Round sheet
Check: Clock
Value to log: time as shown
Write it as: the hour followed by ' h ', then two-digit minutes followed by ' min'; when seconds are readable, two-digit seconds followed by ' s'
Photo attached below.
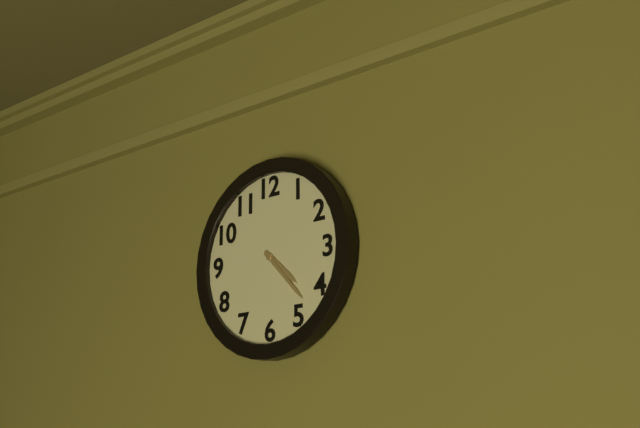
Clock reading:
4 h 23 min
